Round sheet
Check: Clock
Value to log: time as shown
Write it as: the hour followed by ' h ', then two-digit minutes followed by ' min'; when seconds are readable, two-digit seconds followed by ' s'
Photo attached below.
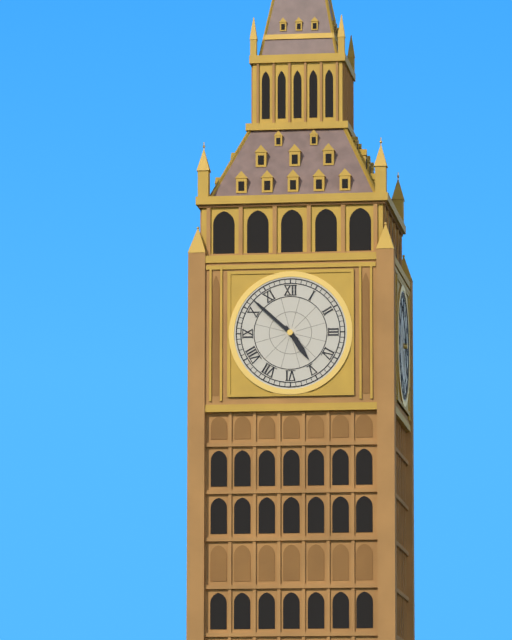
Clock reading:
4 h 52 min
